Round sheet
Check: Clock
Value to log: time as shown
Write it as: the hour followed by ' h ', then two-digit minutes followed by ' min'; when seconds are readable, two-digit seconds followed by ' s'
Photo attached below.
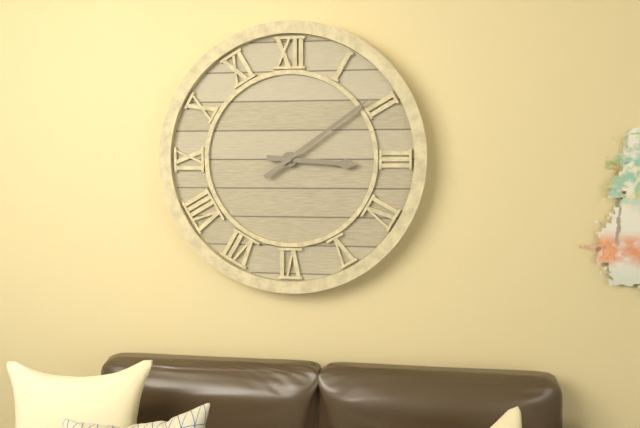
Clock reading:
3 h 09 min
